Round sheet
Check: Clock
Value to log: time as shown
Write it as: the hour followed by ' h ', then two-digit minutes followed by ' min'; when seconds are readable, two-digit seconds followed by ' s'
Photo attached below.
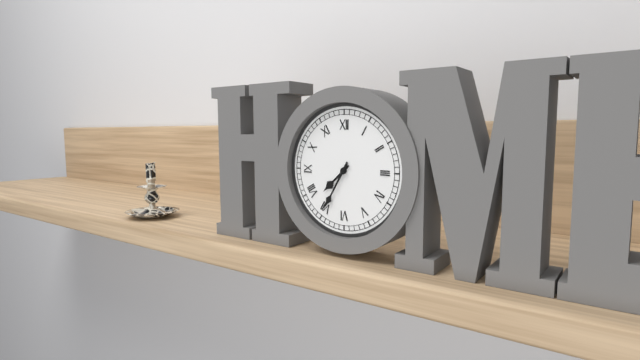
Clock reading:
7 h 35 min
